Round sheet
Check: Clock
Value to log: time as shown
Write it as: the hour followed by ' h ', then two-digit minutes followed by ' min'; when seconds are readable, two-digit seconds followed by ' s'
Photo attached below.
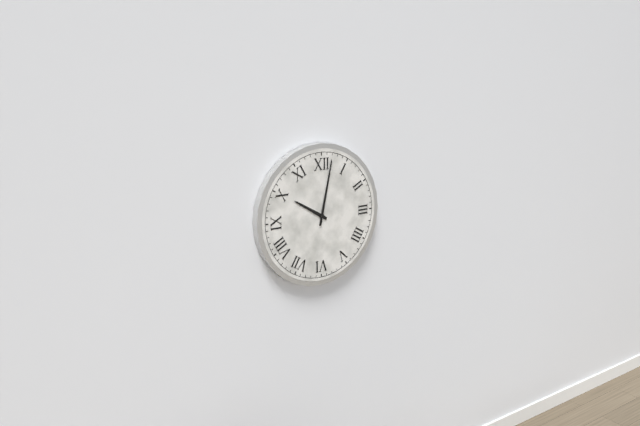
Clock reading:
10 h 02 min
